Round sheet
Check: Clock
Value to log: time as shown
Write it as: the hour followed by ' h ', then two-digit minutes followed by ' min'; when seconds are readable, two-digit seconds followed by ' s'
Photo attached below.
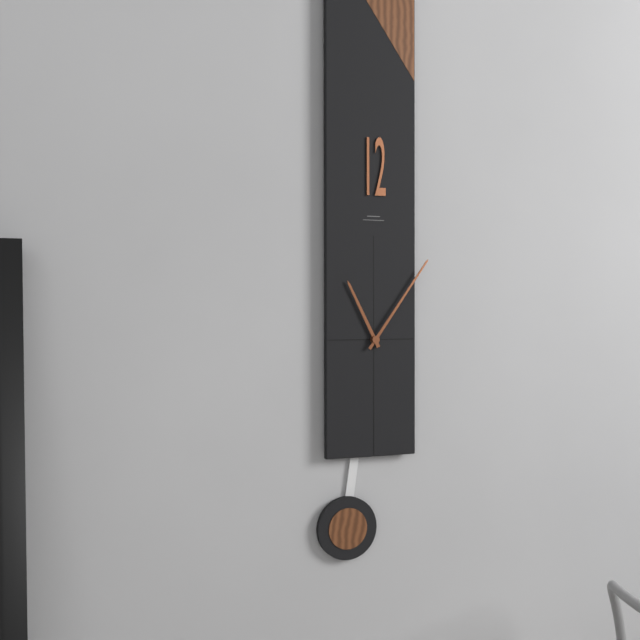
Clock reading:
11 h 06 min
